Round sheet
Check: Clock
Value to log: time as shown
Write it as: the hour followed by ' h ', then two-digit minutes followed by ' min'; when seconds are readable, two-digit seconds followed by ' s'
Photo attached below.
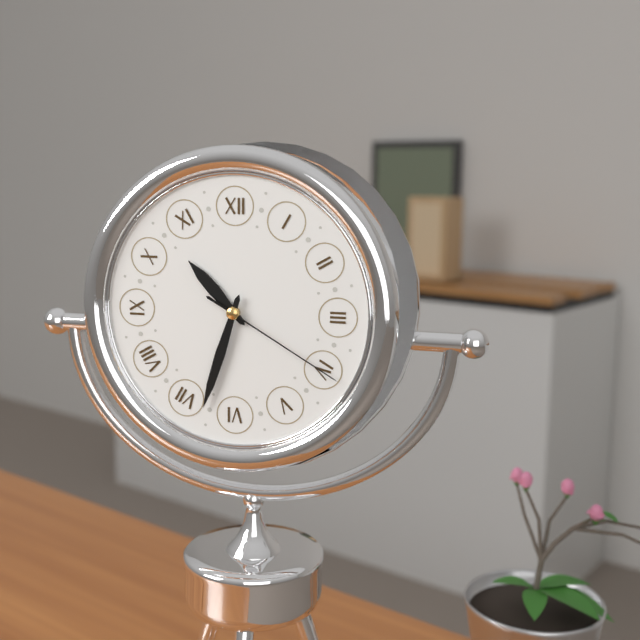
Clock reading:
10 h 33 min 20 s
